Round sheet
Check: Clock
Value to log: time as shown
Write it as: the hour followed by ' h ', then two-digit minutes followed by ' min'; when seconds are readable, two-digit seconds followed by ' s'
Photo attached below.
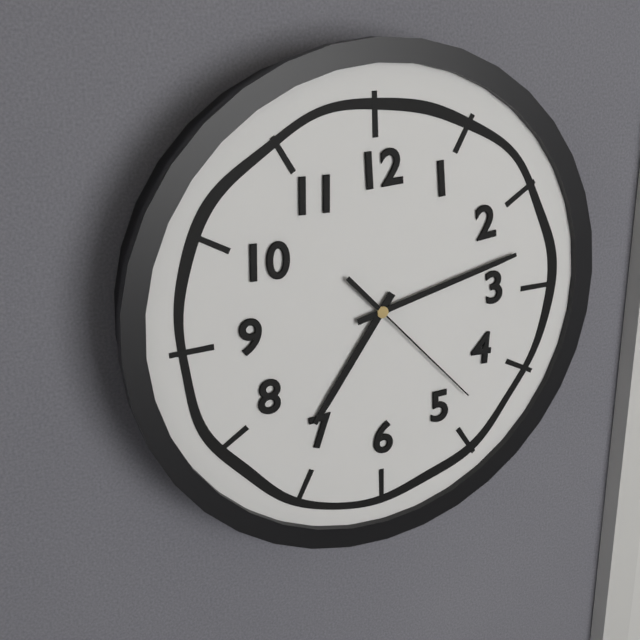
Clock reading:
7 h 13 min 23 s
